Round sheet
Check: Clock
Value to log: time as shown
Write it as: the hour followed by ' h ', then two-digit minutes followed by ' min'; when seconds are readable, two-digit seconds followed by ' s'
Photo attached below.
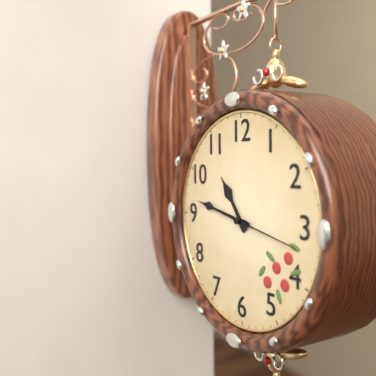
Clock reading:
10 h 47 min 17 s
